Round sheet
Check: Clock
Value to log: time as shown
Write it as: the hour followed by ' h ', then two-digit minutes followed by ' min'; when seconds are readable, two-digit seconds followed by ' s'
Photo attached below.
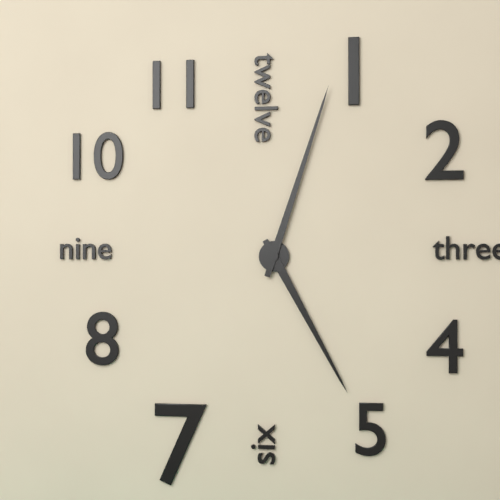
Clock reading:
5 h 03 min
